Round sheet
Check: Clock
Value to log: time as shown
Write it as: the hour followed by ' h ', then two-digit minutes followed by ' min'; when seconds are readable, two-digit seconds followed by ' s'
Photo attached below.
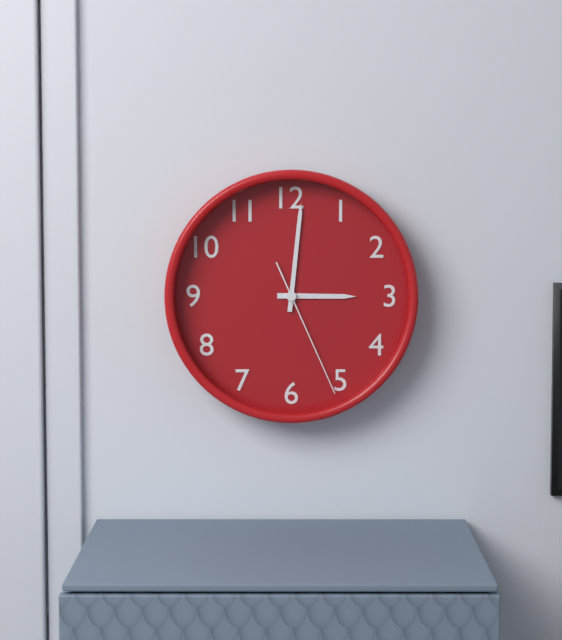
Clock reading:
3 h 01 min 26 s
